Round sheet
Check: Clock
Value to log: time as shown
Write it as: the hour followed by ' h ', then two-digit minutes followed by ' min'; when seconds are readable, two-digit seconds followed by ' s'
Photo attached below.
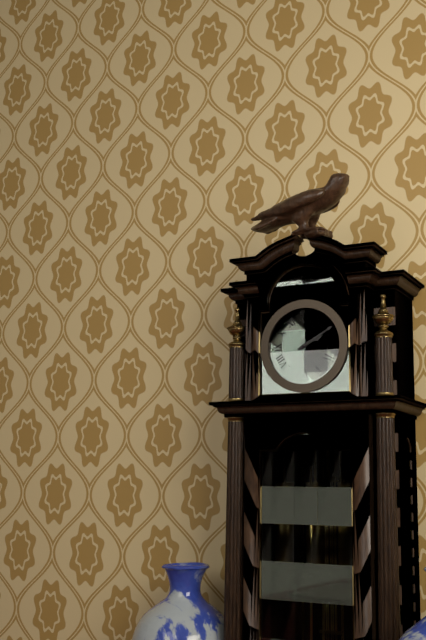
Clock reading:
2 h 10 min
